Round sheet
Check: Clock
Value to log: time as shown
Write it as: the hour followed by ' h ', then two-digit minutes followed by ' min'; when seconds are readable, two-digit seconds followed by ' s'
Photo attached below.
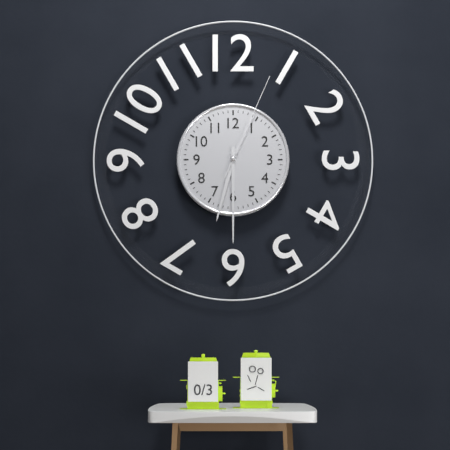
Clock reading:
6 h 30 min 04 s
